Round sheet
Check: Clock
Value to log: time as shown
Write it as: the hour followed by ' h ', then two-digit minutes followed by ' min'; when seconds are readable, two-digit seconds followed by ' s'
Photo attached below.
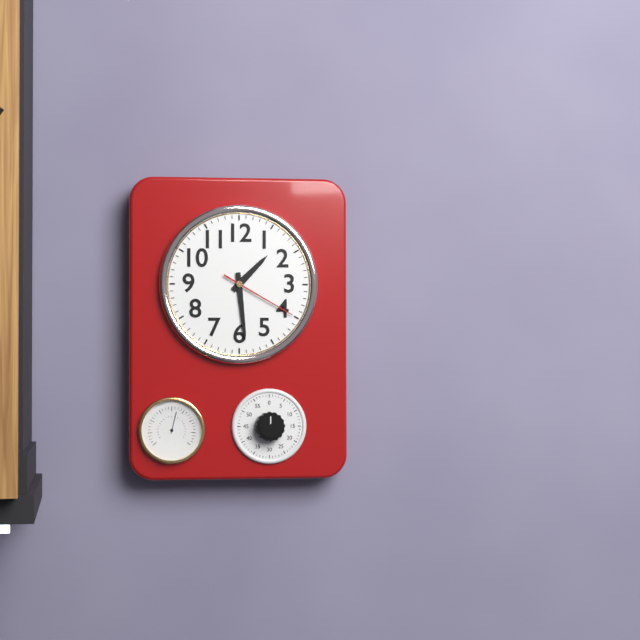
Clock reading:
1 h 29 min 20 s
